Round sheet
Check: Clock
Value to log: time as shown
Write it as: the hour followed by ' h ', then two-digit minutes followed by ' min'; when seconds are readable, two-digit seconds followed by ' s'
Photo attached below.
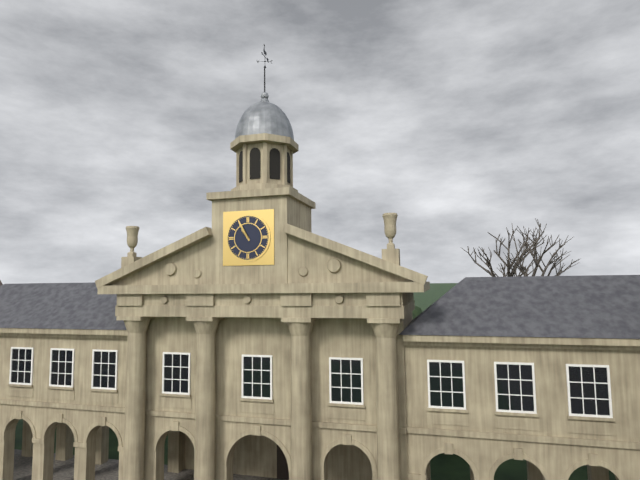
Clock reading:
10 h 55 min
